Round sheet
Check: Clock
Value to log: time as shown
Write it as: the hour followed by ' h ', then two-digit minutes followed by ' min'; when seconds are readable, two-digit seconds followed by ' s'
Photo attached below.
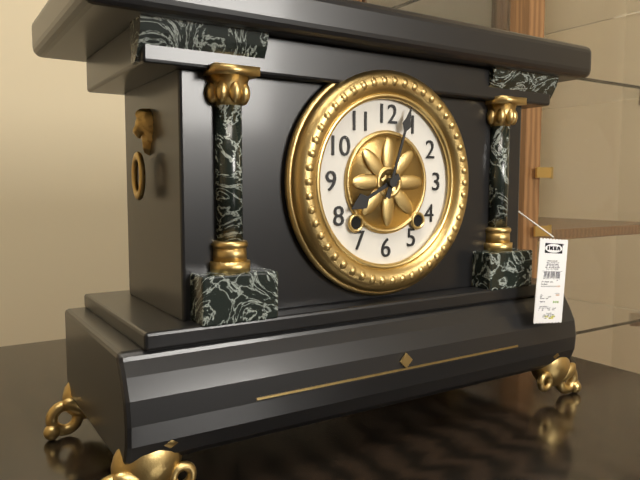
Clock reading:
8 h 03 min
